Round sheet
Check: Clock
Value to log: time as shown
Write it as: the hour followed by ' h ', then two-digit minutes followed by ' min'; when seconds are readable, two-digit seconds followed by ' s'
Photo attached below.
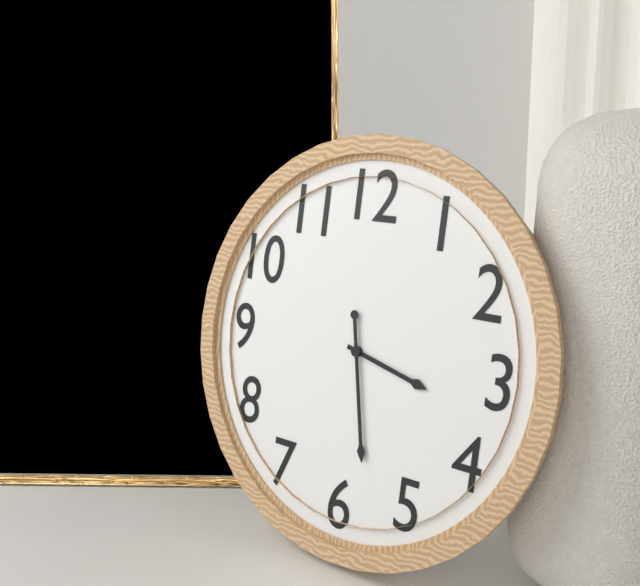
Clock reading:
3 h 28 min
